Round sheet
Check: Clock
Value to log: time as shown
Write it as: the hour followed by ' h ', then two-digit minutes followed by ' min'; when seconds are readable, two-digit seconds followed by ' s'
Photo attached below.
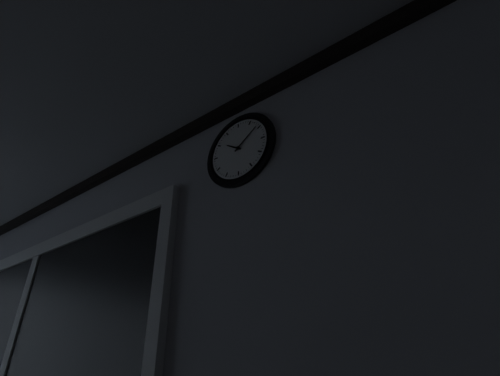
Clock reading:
10 h 09 min
